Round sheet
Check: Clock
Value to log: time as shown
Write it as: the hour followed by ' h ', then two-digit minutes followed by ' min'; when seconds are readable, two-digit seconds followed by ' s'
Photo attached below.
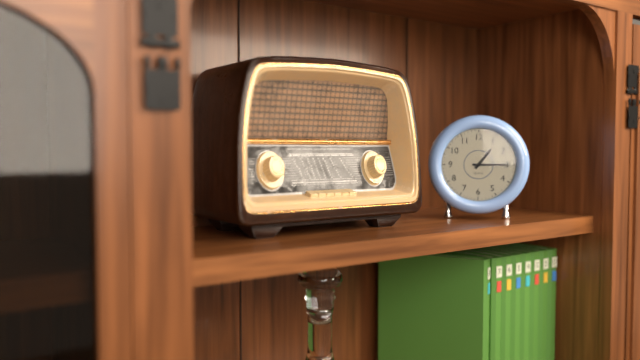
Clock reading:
1 h 15 min
